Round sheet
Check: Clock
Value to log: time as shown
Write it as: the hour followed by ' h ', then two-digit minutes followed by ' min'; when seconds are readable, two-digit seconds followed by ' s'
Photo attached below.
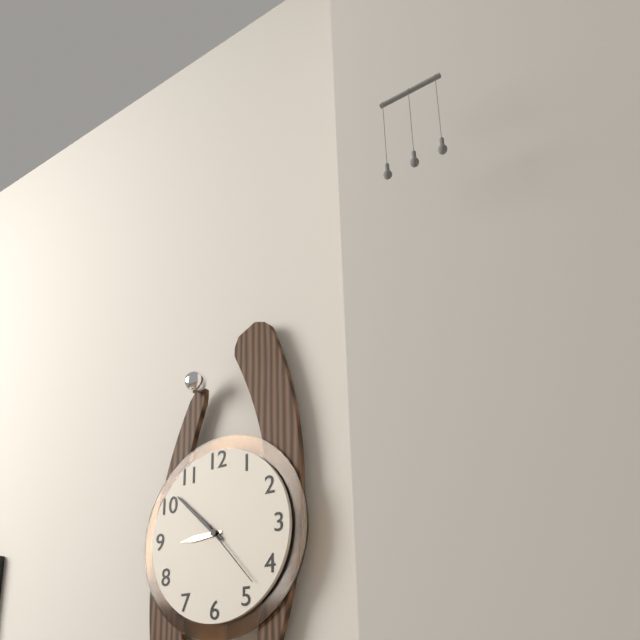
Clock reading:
8 h 52 min 23 s
